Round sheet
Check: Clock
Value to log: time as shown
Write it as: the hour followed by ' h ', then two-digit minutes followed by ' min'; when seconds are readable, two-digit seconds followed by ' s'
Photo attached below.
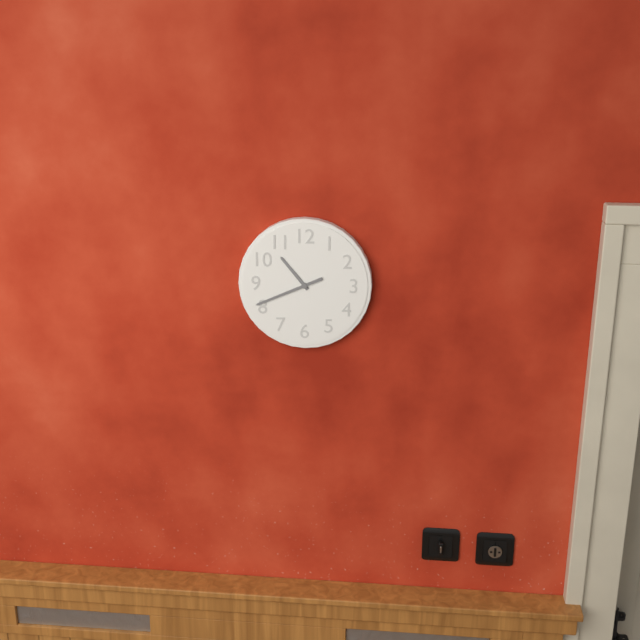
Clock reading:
10 h 41 min
